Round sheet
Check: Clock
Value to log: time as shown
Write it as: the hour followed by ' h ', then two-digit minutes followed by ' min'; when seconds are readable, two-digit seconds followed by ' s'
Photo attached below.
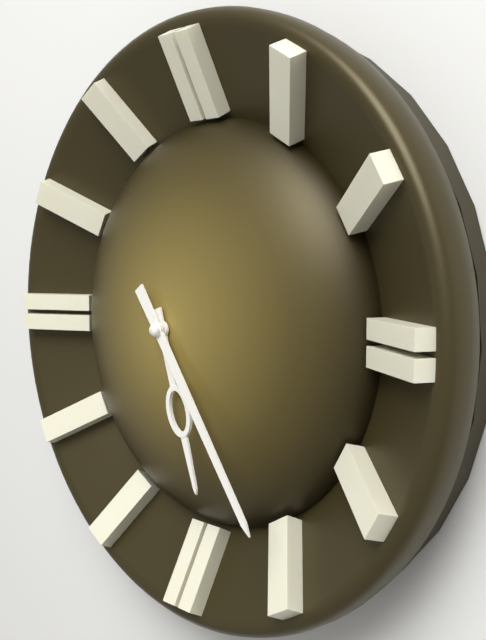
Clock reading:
5 h 24 min
